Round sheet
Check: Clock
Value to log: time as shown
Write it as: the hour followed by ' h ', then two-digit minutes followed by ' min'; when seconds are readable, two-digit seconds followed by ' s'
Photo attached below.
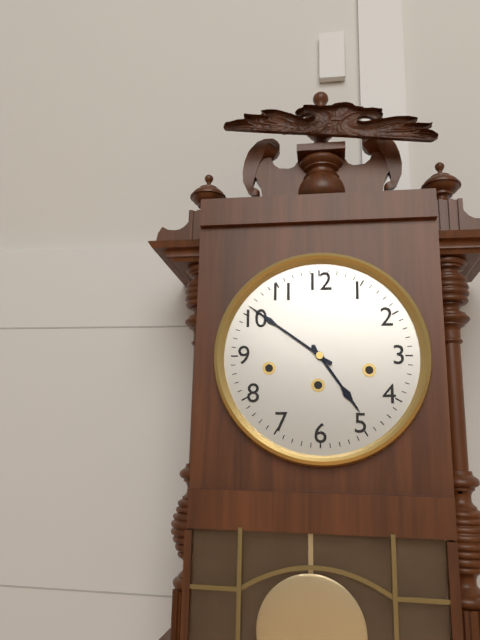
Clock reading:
4 h 51 min
